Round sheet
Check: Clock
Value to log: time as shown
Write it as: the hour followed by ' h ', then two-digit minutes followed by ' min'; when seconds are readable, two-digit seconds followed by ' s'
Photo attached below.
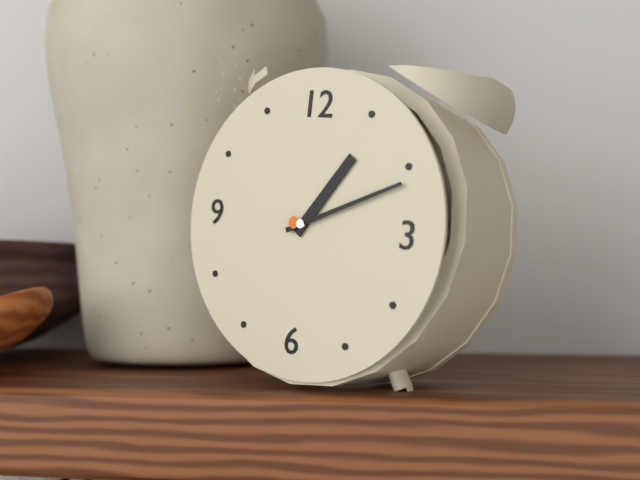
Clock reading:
1 h 11 min
